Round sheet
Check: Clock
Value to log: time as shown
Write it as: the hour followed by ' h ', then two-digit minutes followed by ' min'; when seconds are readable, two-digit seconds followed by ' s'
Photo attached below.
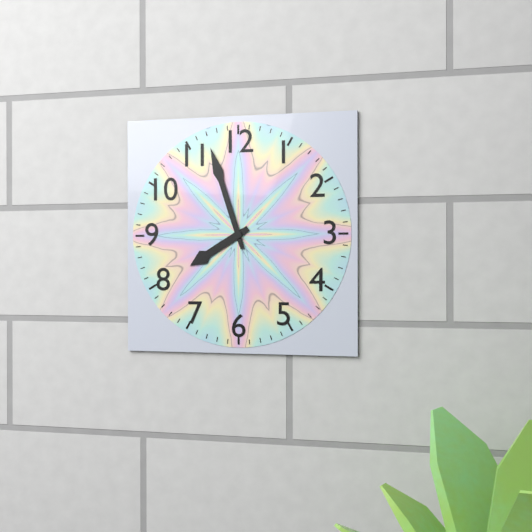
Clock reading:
7 h 57 min
